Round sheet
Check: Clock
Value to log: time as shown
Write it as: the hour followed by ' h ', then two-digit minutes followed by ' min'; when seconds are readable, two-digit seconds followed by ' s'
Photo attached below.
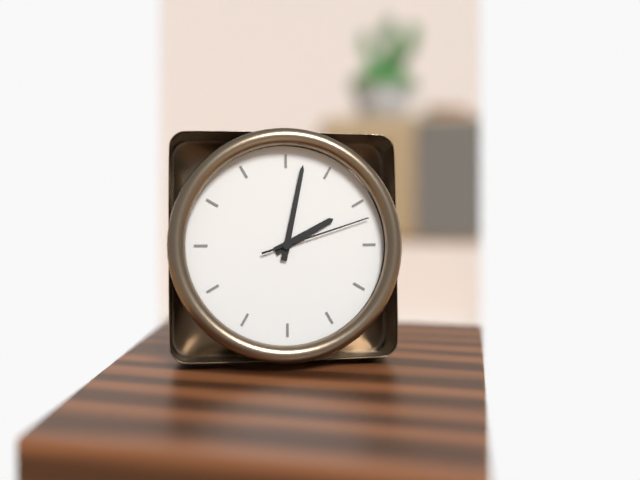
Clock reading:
2 h 02 min 12 s
